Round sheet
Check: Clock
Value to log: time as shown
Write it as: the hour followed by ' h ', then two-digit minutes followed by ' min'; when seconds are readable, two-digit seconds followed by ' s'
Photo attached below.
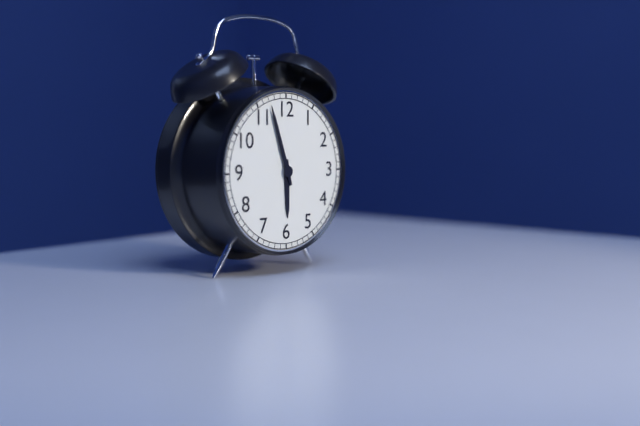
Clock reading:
5 h 57 min
